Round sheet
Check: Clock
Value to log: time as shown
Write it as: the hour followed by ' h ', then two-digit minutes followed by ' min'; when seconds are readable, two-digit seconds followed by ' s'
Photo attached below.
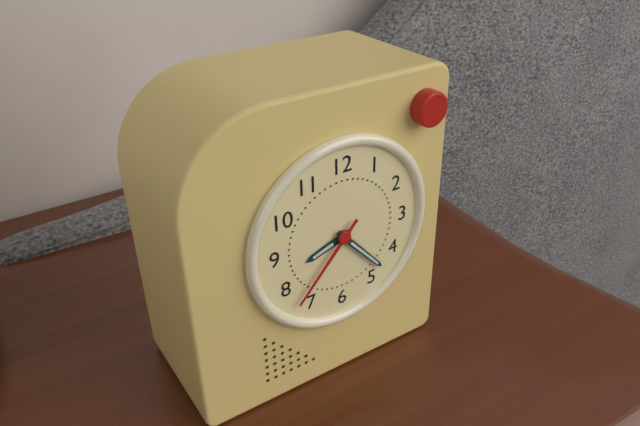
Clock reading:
8 h 23 min 37 s
